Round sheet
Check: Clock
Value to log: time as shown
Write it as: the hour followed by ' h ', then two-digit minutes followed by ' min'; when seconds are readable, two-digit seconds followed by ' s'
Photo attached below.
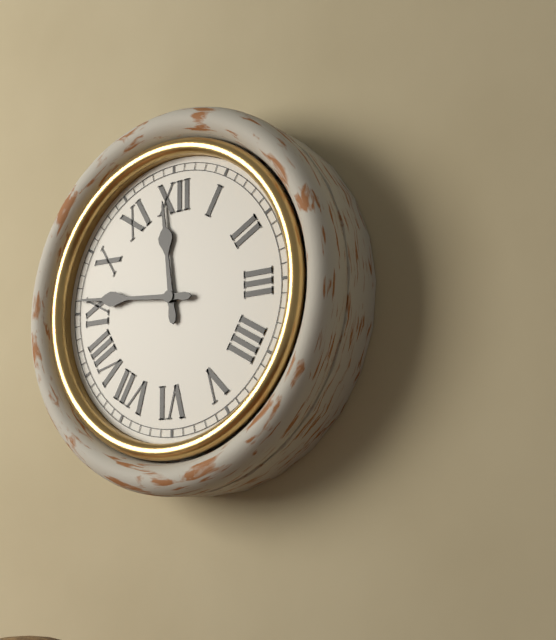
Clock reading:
11 h 46 min
